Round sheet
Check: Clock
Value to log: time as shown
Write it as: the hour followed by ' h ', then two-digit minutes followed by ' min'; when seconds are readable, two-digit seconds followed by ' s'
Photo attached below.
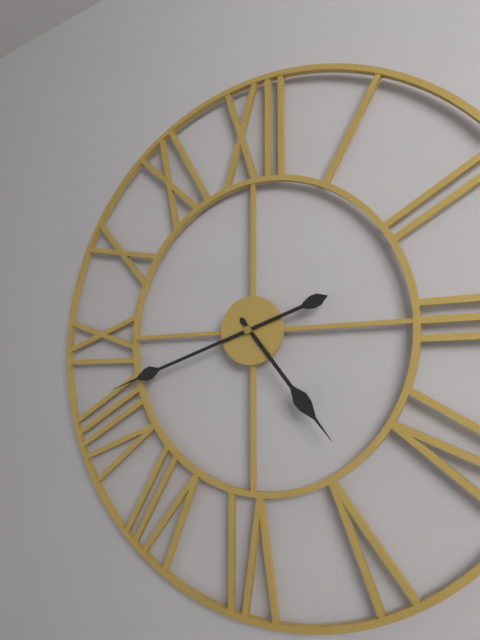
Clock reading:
4 h 42 min
